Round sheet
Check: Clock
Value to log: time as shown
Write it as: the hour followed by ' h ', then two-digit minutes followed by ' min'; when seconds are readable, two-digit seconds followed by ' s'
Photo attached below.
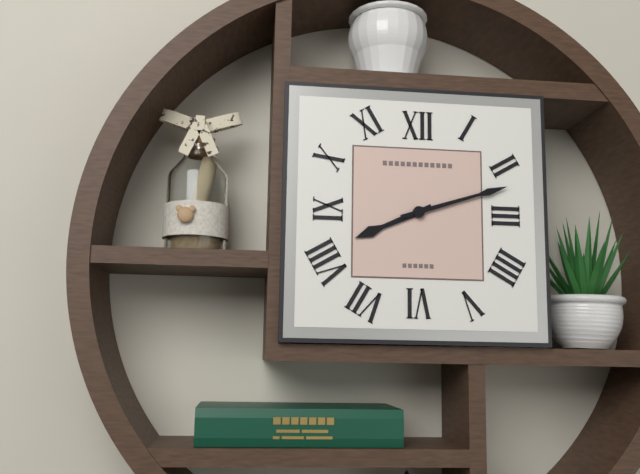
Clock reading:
8 h 12 min
